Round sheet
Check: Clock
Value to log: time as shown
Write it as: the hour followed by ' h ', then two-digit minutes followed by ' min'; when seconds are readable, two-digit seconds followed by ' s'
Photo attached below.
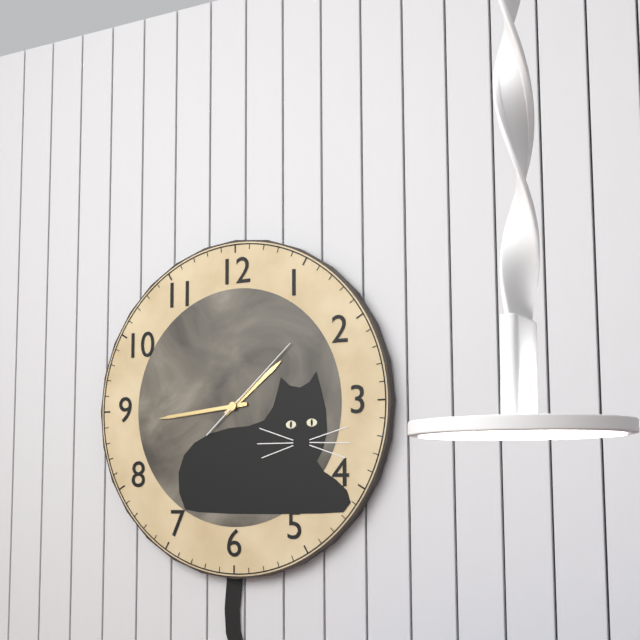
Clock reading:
1 h 44 min 08 s
